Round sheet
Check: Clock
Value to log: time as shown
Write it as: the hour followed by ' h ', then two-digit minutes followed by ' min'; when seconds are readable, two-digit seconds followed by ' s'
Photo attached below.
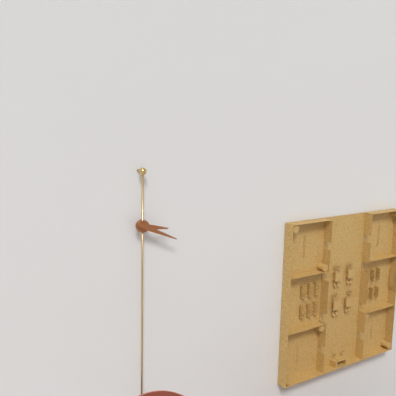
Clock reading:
3 h 19 min
